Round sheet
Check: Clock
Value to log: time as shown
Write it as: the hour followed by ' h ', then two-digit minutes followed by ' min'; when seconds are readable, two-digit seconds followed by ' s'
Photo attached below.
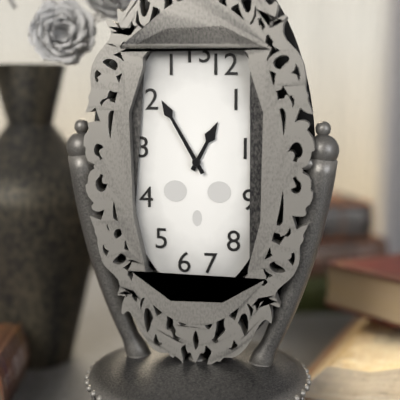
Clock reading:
12 h 55 min
